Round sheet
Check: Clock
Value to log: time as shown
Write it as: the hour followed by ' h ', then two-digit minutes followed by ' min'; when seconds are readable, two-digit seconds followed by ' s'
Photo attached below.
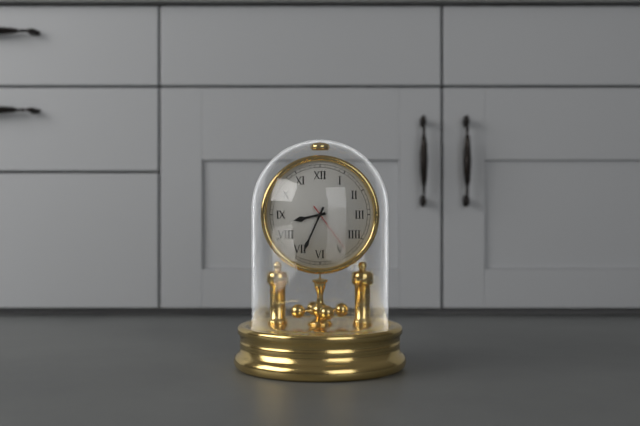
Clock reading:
8 h 34 min 24 s
